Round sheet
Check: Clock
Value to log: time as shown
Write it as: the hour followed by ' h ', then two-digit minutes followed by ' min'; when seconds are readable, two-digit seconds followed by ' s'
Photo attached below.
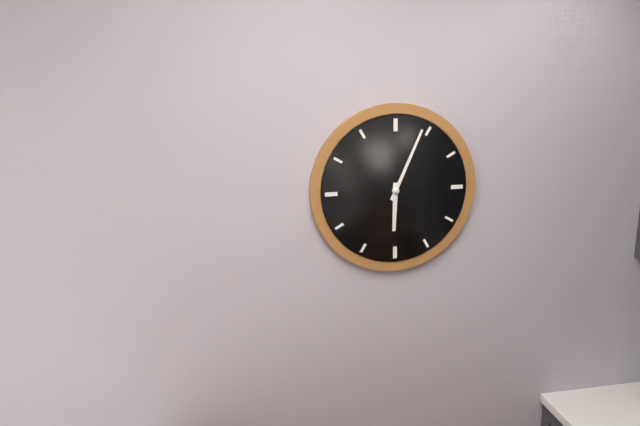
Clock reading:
6 h 04 min
